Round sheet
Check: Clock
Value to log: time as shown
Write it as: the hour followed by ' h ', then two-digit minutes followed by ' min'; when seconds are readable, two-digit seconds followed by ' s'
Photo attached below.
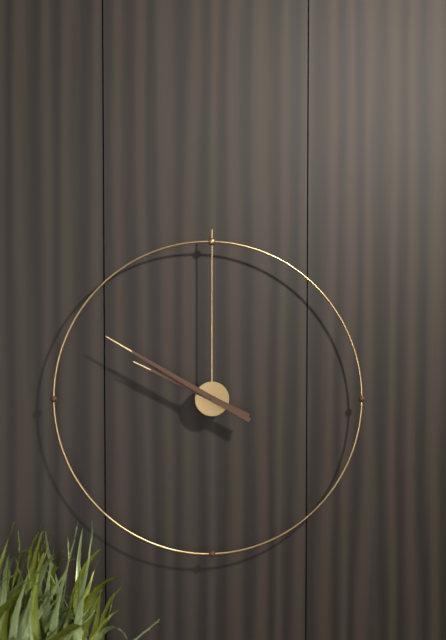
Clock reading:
9 h 50 min
